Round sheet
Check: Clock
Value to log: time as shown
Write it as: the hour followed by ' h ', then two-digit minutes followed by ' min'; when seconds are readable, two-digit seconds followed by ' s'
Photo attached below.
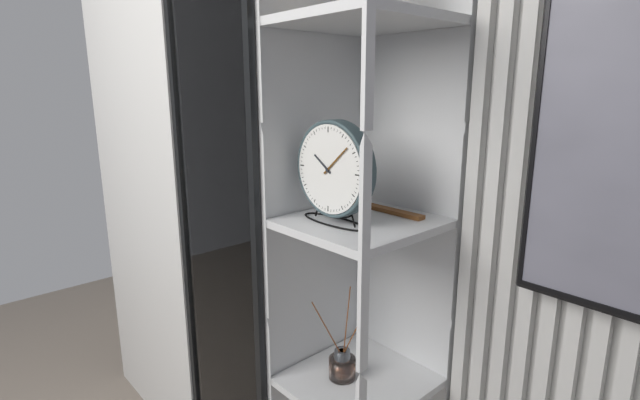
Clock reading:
10 h 08 min
